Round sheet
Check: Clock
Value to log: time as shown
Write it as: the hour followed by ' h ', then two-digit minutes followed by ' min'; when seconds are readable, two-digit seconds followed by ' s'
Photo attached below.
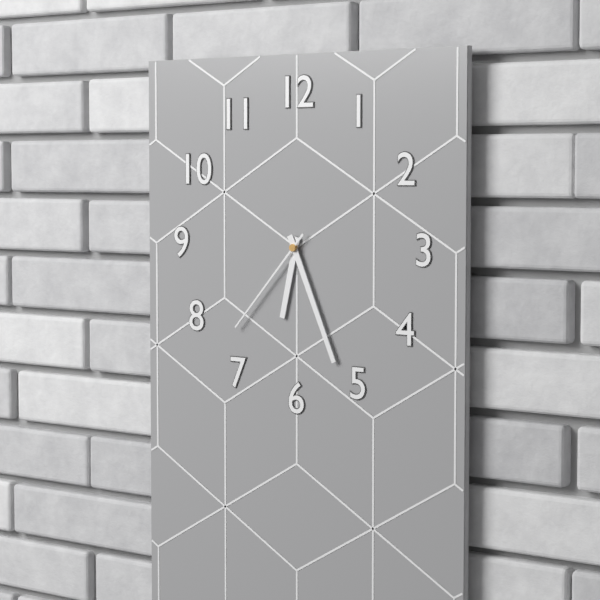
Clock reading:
6 h 26 min 37 s
